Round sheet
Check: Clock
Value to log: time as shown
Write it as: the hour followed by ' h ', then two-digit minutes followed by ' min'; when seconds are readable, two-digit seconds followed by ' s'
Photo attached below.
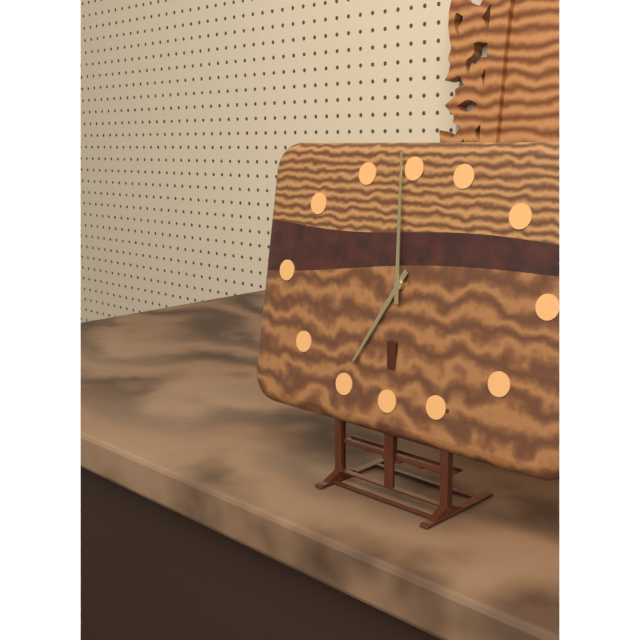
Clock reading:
6 h 59 min
